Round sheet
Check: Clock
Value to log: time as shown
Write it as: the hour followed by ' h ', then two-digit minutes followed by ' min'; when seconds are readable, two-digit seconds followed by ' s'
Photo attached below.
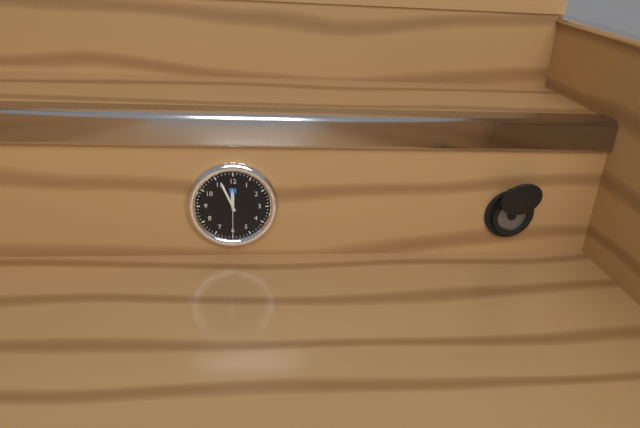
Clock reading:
11 h 56 min
